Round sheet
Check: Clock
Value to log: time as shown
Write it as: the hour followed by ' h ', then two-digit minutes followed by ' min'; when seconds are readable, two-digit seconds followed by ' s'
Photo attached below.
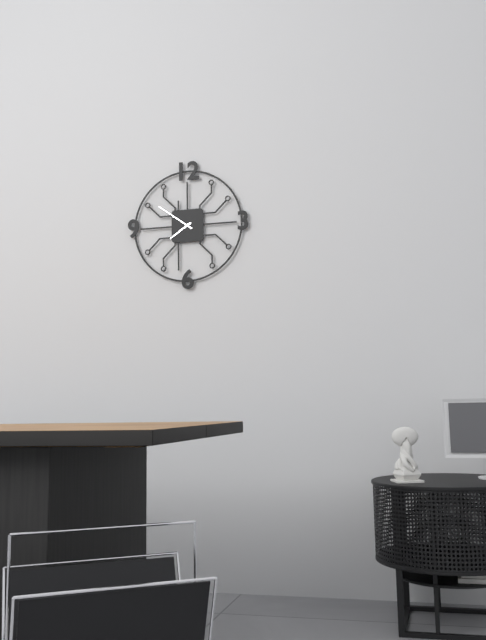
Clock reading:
7 h 51 min
